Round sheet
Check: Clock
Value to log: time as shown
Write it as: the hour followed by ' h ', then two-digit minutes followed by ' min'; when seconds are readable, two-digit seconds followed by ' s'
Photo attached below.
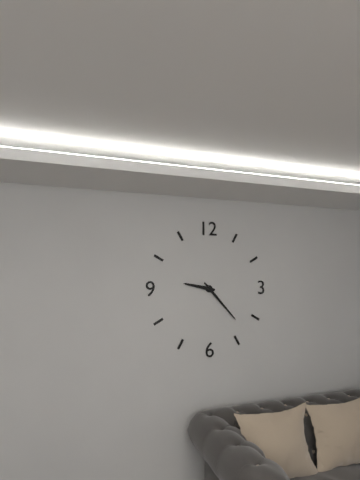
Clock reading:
9 h 23 min
